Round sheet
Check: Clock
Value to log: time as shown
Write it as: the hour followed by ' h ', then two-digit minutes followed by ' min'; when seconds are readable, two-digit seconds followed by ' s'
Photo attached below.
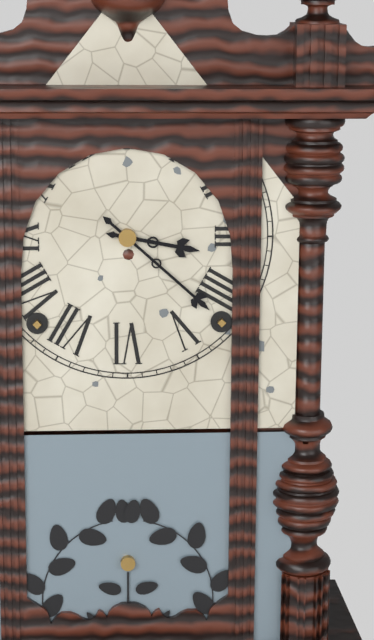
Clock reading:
3 h 22 min
